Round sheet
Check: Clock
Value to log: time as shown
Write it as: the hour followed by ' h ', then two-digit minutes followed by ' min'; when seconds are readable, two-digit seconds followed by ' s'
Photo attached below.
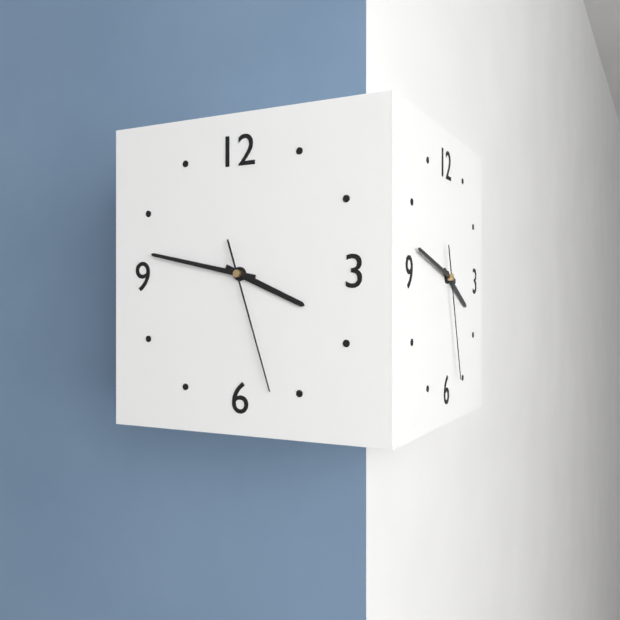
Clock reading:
3 h 47 min 27 s
